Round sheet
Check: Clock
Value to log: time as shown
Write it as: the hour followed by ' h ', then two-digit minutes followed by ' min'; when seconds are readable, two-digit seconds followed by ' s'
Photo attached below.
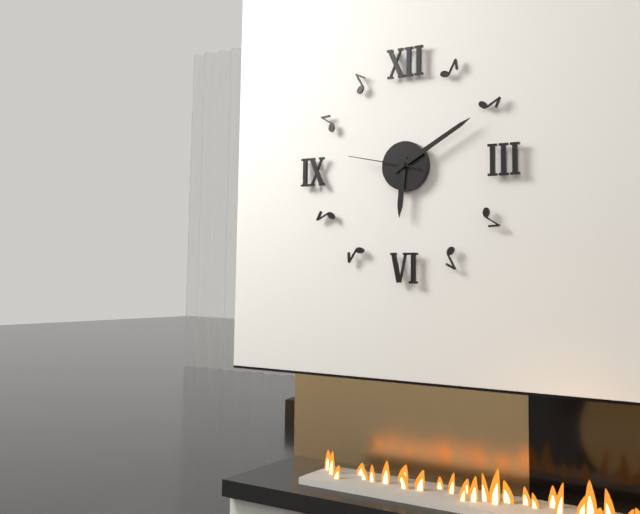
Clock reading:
6 h 10 min 47 s
